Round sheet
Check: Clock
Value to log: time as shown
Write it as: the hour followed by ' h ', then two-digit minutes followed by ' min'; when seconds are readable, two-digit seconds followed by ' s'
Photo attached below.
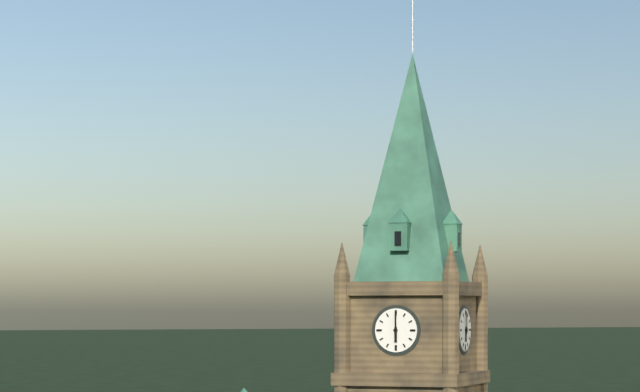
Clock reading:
6 h 00 min
